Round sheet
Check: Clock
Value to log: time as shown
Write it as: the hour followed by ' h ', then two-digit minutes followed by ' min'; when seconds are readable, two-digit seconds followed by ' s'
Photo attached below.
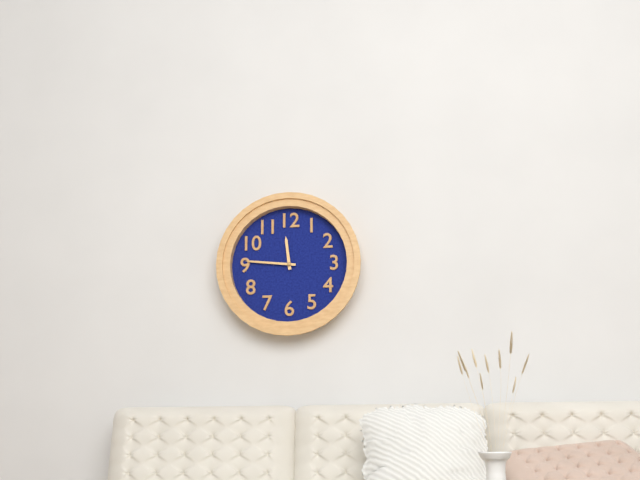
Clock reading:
11 h 46 min
